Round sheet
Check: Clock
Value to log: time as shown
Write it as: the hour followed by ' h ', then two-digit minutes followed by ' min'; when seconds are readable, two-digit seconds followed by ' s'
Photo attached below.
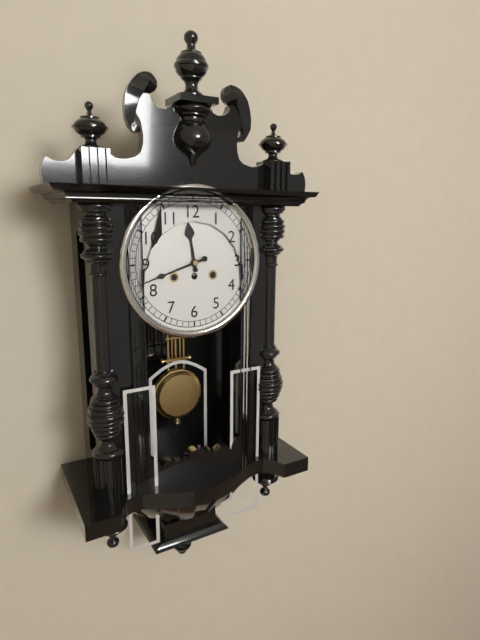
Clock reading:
11 h 42 min
